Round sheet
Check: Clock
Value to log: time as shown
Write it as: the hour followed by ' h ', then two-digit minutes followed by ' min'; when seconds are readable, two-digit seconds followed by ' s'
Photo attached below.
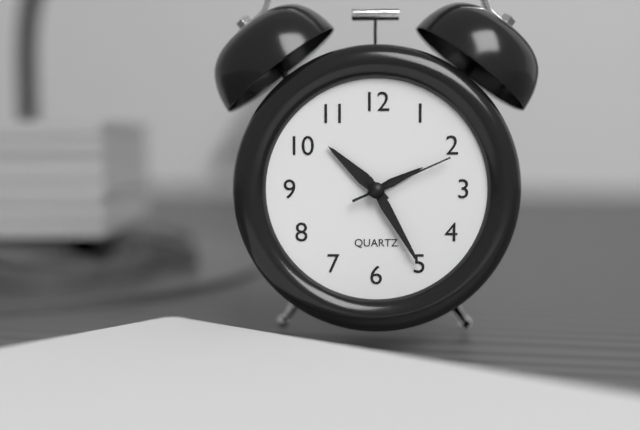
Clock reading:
10 h 25 min 11 s
